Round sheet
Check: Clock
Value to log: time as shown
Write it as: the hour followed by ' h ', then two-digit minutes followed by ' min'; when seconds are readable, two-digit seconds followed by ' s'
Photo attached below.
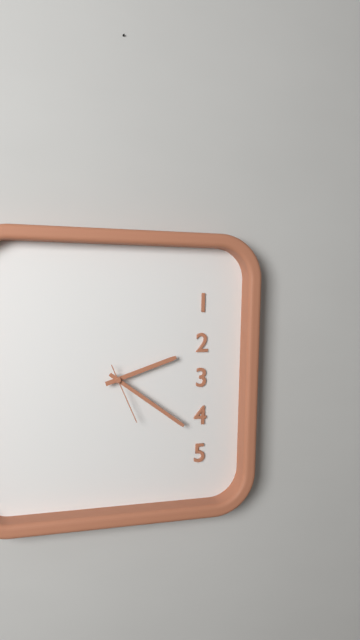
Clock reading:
2 h 21 min 26 s
